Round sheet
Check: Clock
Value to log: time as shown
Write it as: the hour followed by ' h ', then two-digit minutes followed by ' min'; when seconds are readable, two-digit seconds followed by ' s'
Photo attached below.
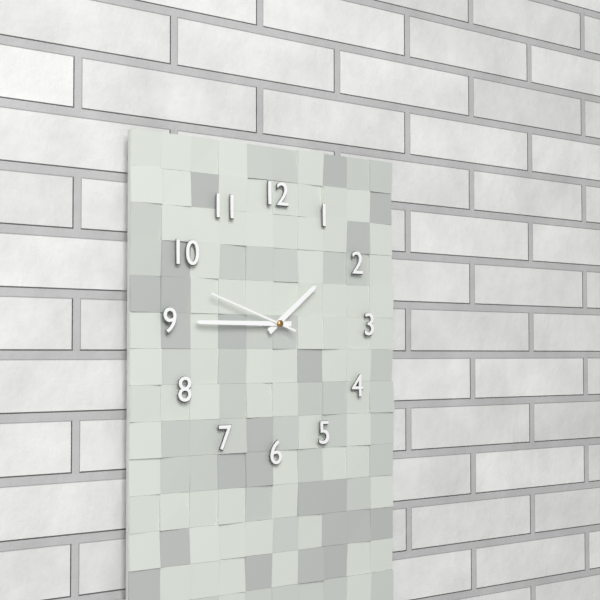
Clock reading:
1 h 45 min 48 s
